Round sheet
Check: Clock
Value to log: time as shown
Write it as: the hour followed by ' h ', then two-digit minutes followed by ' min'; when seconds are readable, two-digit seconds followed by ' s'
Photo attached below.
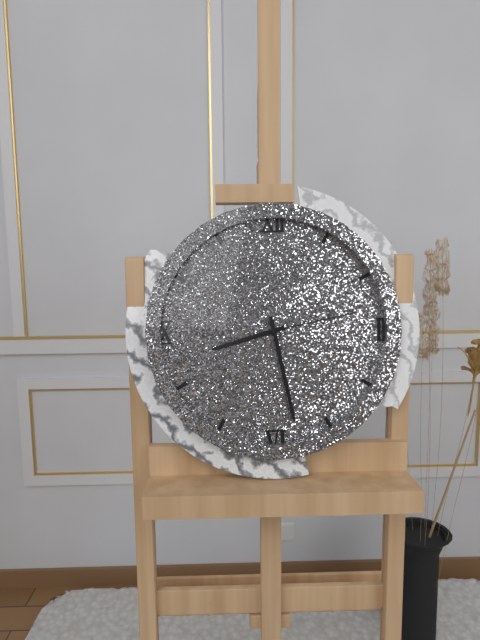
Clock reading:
8 h 28 min 13 s
